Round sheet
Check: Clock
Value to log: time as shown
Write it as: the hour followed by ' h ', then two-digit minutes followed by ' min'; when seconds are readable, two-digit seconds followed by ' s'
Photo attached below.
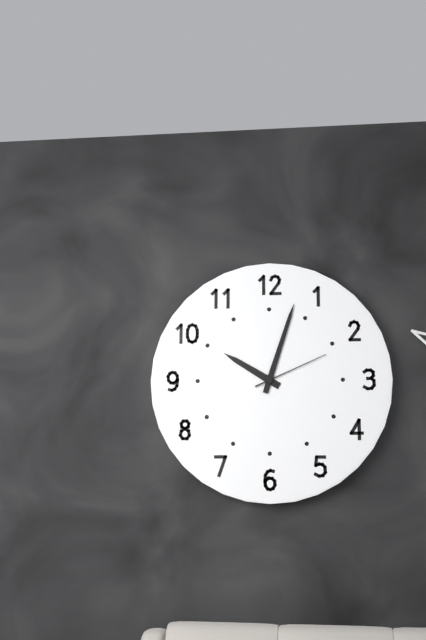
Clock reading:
10 h 03 min 11 s
